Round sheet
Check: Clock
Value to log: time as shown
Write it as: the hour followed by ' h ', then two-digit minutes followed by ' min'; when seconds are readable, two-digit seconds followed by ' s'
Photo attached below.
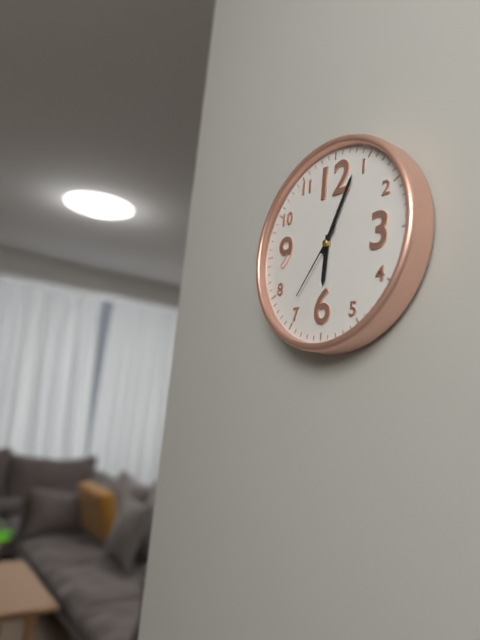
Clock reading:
6 h 04 min 36 s
